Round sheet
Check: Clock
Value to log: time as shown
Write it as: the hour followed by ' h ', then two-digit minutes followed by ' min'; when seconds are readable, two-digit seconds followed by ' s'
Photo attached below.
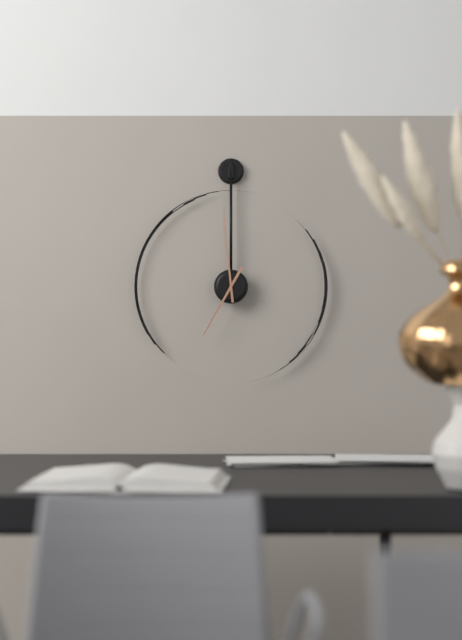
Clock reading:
6 h 59 min
